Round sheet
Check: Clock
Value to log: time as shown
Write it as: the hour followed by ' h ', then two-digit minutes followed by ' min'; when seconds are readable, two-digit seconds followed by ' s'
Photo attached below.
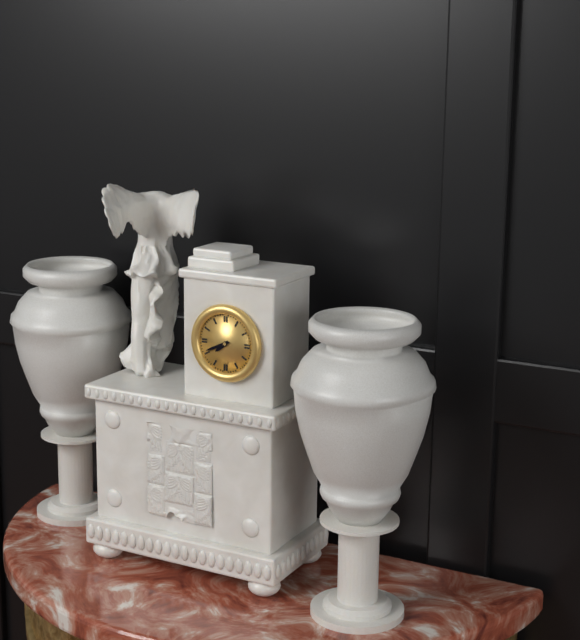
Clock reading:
7 h 41 min
